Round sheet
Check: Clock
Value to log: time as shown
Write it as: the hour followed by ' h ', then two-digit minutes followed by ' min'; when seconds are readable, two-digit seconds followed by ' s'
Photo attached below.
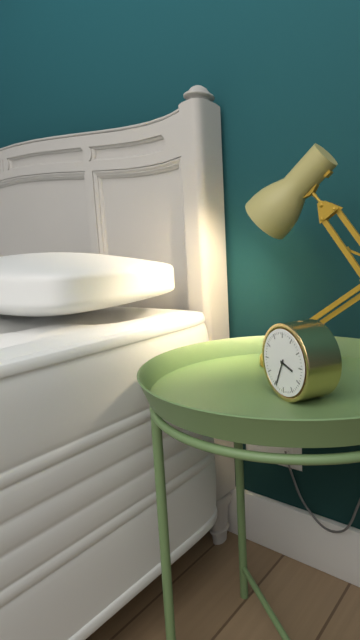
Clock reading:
3 h 34 min
